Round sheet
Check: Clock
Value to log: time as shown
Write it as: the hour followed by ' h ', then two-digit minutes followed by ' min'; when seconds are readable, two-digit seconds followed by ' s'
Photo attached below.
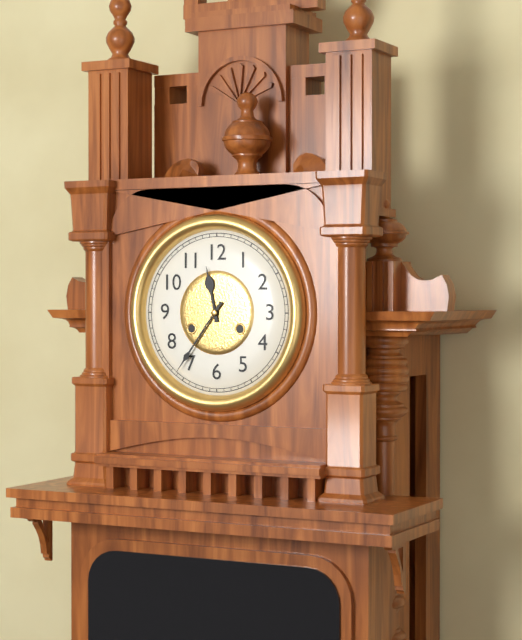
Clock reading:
11 h 36 min
